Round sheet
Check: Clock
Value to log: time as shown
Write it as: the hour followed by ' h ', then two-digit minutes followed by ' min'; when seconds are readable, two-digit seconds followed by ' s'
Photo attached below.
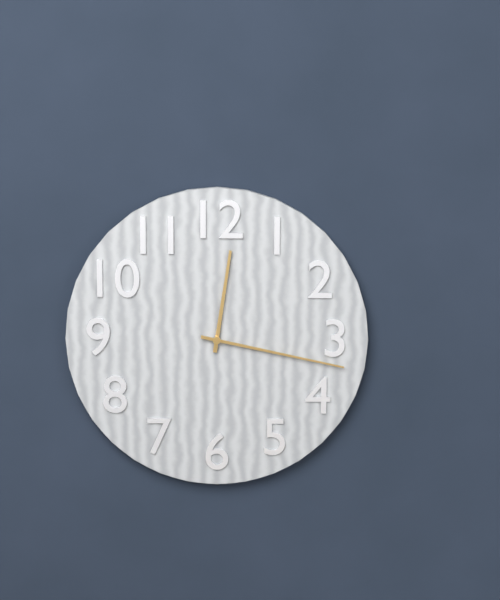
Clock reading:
12 h 17 min
